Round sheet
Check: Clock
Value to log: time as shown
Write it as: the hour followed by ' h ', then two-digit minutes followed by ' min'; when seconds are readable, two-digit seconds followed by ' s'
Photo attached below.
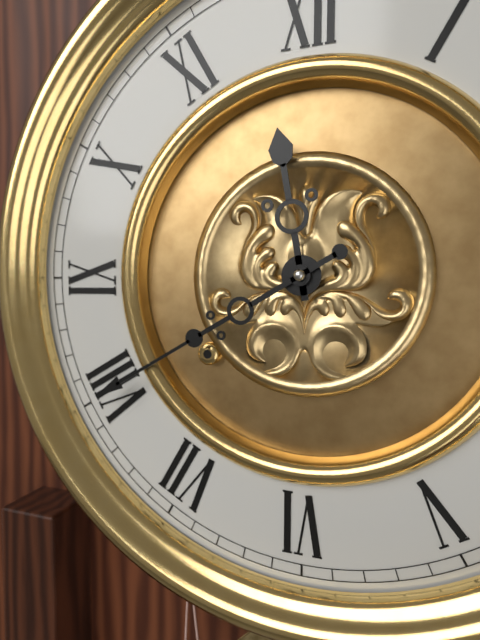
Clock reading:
11 h 40 min
